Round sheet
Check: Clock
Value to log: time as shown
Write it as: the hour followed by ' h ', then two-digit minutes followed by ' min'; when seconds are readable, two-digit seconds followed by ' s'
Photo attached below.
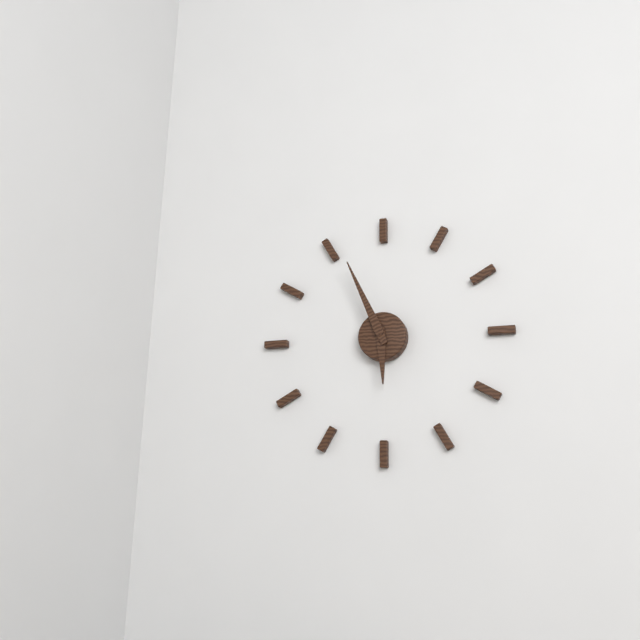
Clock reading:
5 h 56 min
